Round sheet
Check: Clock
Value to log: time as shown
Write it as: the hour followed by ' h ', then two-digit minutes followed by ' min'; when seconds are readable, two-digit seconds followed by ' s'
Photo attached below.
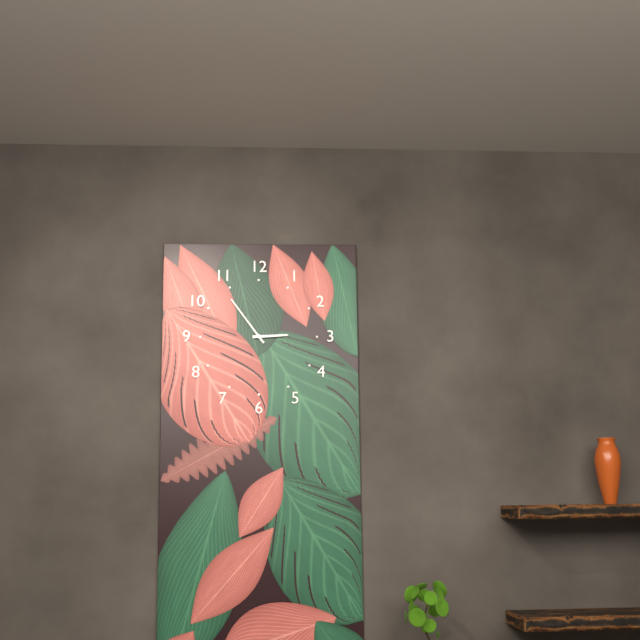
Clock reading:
2 h 54 min
